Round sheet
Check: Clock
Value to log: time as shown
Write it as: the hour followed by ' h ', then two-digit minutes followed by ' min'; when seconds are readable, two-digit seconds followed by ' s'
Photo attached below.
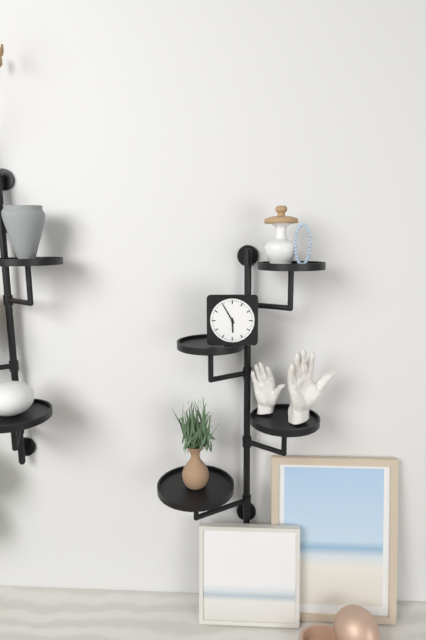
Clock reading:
5 h 55 min
